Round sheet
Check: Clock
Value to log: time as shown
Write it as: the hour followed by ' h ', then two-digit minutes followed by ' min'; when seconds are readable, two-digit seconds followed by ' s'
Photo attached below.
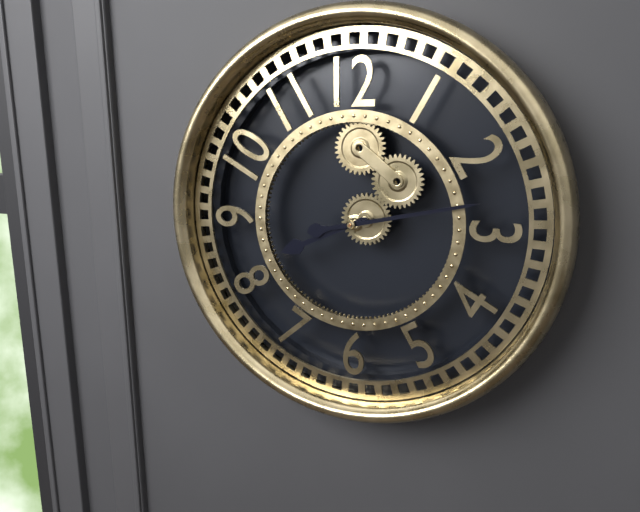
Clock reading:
8 h 13 min
